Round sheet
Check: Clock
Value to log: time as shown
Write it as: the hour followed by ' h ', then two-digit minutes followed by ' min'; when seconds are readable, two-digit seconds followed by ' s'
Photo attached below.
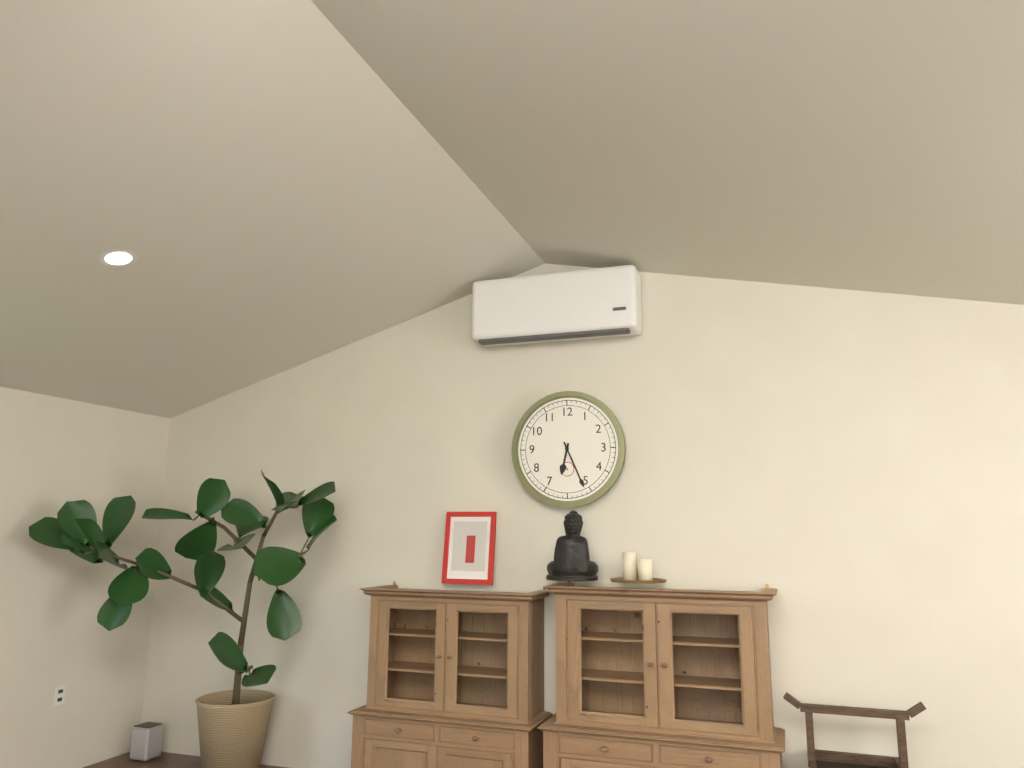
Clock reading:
6 h 26 min
